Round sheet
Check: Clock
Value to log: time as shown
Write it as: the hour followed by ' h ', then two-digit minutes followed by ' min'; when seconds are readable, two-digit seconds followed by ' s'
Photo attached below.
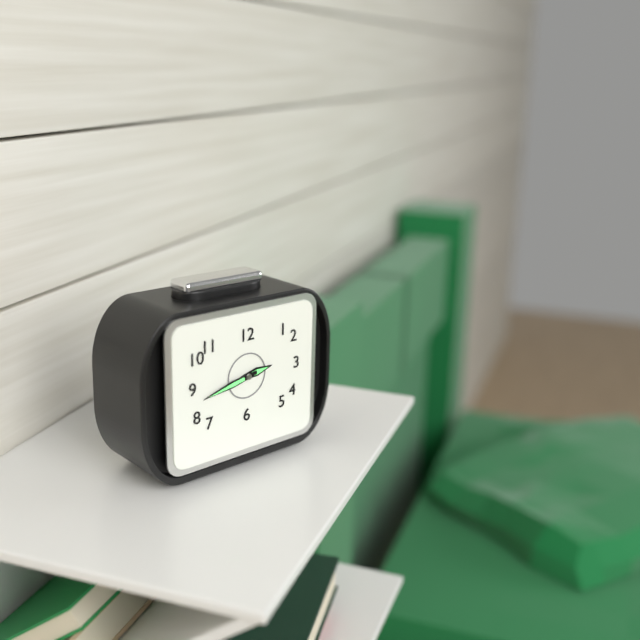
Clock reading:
2 h 43 min
